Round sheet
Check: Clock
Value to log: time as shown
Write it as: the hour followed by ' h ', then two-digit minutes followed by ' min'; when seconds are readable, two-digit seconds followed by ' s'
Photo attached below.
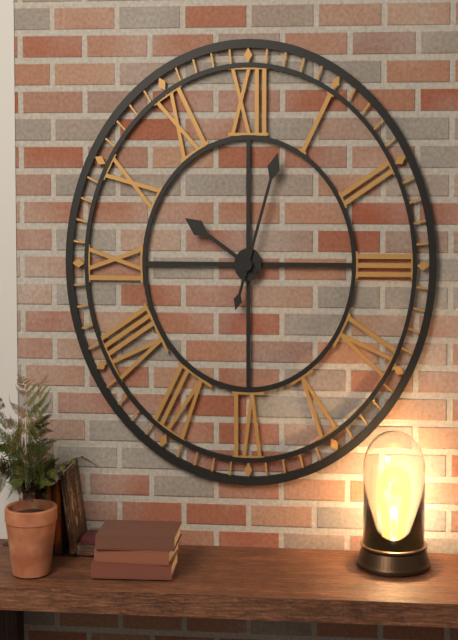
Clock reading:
10 h 03 min
